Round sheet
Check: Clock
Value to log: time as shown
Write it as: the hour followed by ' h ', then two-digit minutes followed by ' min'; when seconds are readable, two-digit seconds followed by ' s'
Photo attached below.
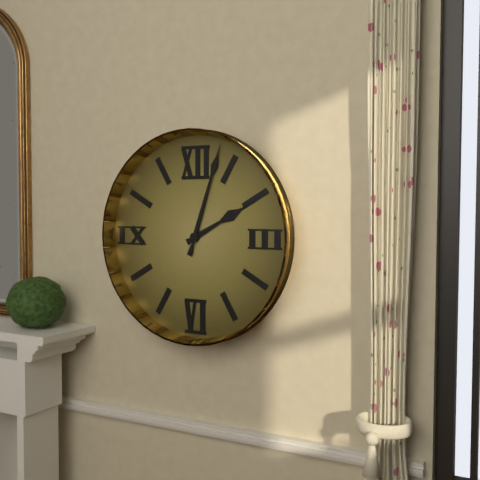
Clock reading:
2 h 03 min
